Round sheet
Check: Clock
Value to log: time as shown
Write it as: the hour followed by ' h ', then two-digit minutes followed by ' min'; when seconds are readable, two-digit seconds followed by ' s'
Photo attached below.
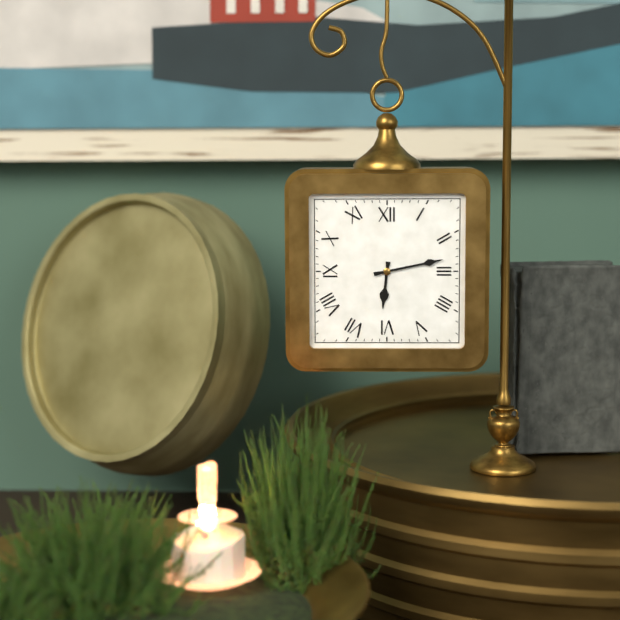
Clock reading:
6 h 13 min
